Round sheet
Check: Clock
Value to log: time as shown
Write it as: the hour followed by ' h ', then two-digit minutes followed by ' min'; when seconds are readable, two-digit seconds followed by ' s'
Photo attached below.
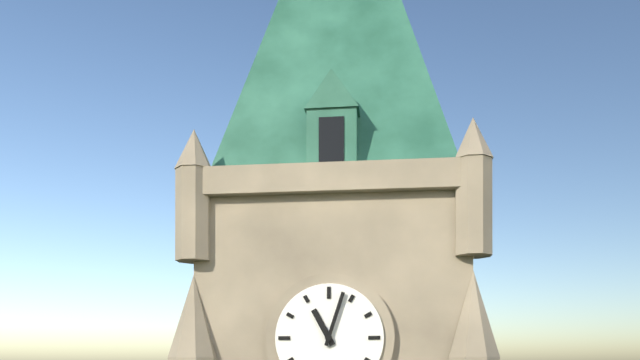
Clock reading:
11 h 03 min
